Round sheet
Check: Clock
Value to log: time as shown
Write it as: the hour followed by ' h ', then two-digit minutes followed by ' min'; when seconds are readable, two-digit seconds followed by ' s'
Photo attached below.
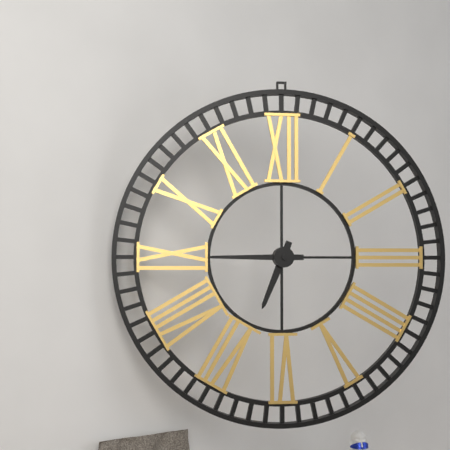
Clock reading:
6 h 45 min
